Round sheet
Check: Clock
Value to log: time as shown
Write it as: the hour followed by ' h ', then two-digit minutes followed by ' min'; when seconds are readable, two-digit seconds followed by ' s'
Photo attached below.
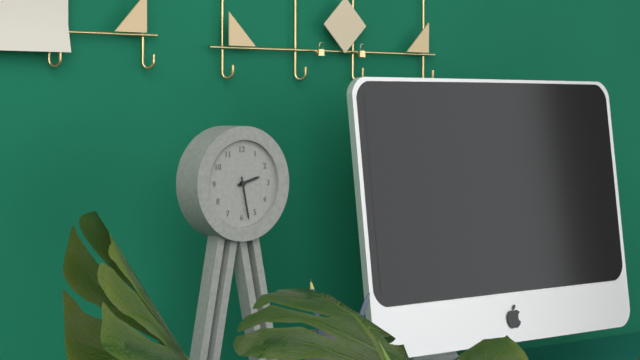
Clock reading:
2 h 28 min
